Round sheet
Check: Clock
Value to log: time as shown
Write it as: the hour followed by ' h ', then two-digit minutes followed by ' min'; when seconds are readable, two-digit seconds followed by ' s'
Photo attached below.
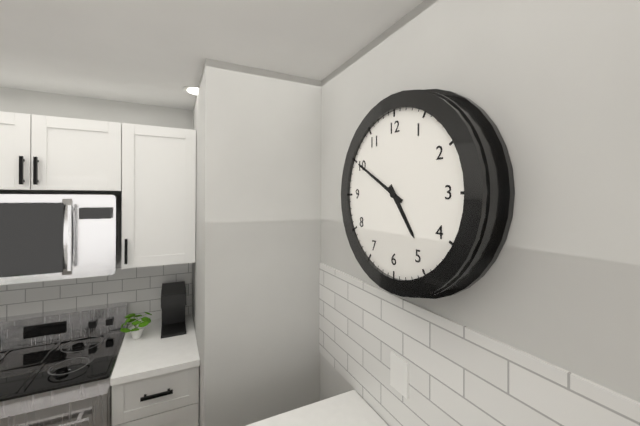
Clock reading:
4 h 50 min
